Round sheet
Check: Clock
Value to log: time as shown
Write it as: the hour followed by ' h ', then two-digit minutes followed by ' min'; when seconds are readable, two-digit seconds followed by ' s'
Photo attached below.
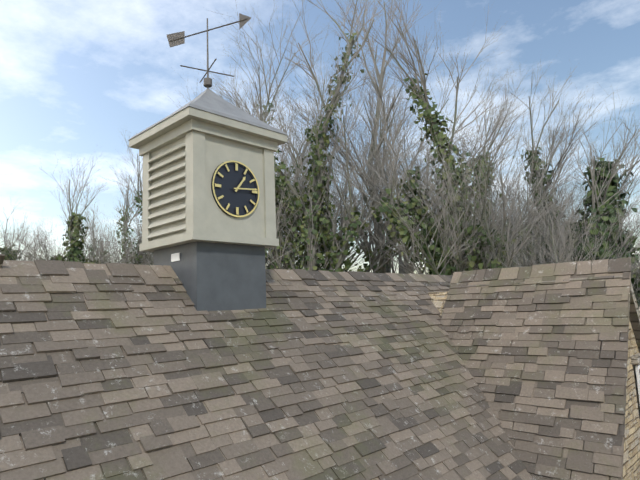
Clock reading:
1 h 14 min
